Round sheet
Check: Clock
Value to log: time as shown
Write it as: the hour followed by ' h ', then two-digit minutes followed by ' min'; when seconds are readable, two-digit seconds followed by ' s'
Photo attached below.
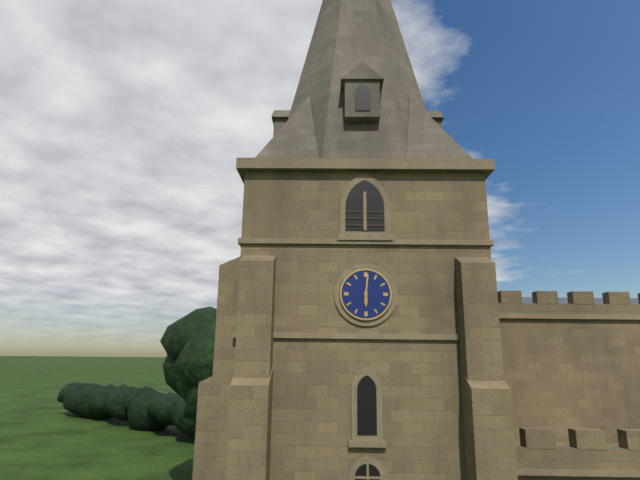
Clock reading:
6 h 01 min
